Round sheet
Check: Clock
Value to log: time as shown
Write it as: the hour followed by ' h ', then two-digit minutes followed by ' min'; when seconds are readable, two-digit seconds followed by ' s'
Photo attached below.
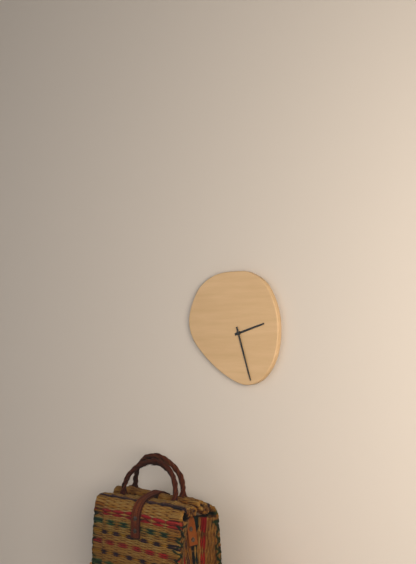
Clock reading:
2 h 27 min
